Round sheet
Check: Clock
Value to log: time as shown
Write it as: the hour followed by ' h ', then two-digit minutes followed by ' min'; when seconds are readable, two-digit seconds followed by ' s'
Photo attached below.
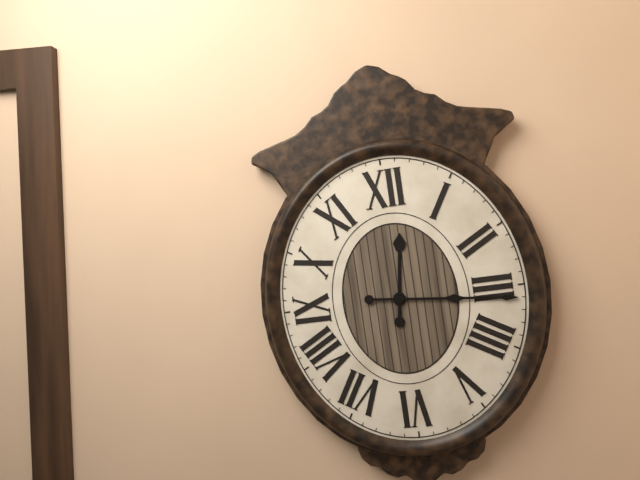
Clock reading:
12 h 16 min
